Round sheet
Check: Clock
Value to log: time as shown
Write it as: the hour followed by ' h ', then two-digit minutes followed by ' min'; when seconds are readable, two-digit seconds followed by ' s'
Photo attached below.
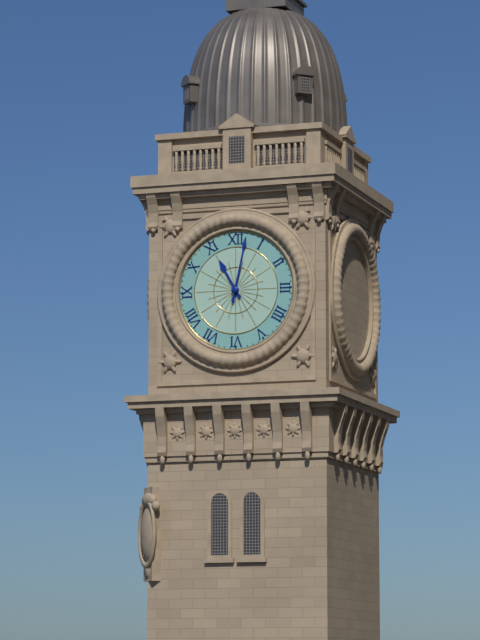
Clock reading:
11 h 02 min
